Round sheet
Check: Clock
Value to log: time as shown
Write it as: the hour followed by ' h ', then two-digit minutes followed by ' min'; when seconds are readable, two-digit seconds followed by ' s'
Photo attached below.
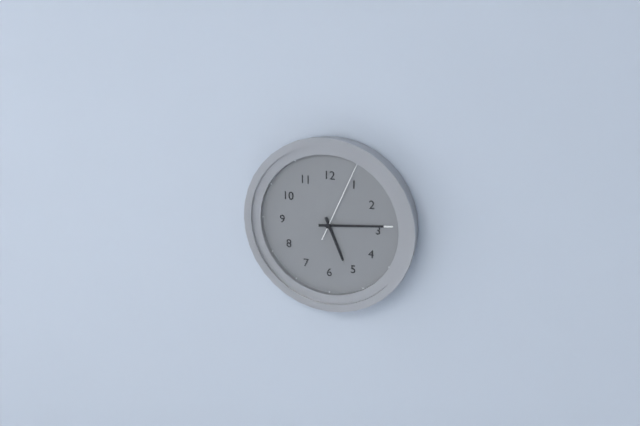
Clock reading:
5 h 14 min 04 s
